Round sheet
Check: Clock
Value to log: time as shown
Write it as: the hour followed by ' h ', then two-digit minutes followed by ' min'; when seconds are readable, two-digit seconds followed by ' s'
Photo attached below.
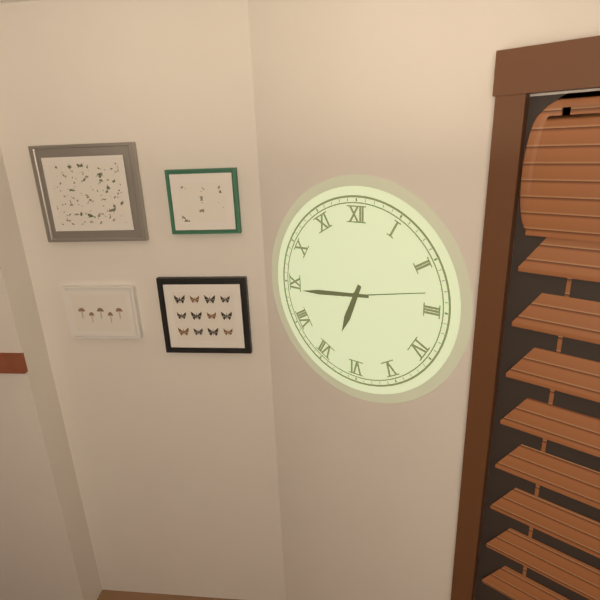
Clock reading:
6 h 44 min 13 s
